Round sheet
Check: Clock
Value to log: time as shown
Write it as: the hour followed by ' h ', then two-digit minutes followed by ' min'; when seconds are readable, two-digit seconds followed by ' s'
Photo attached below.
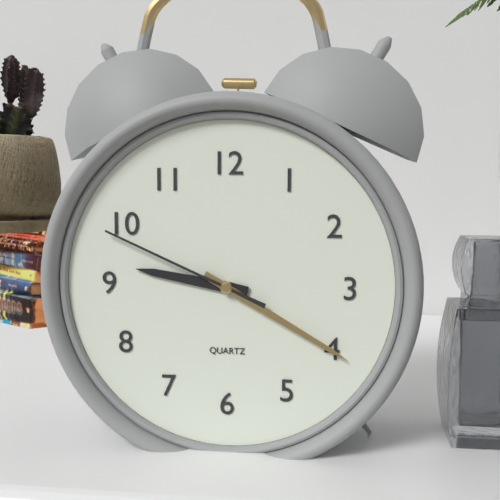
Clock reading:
9 h 20 min 49 s
